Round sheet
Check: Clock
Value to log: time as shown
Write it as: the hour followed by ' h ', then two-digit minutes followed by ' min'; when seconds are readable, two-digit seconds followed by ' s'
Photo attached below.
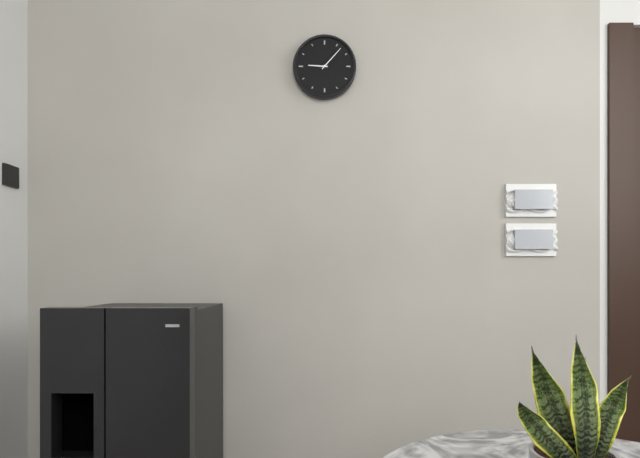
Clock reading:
9 h 07 min
